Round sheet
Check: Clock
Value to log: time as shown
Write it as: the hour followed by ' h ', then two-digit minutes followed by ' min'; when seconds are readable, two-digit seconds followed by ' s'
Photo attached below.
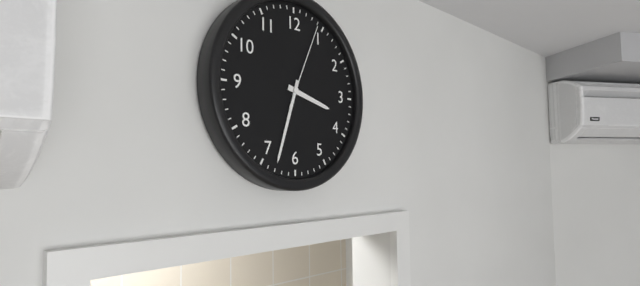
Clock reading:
3 h 33 min 04 s
